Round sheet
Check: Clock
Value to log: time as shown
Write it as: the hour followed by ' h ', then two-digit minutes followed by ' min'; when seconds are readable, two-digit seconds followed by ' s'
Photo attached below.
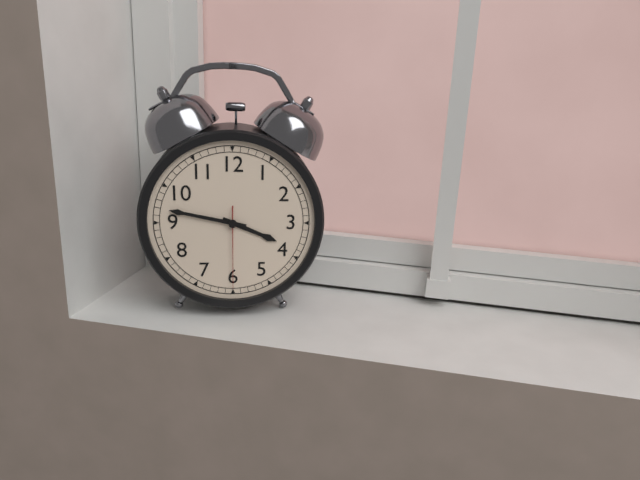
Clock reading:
3 h 47 min 30 s
